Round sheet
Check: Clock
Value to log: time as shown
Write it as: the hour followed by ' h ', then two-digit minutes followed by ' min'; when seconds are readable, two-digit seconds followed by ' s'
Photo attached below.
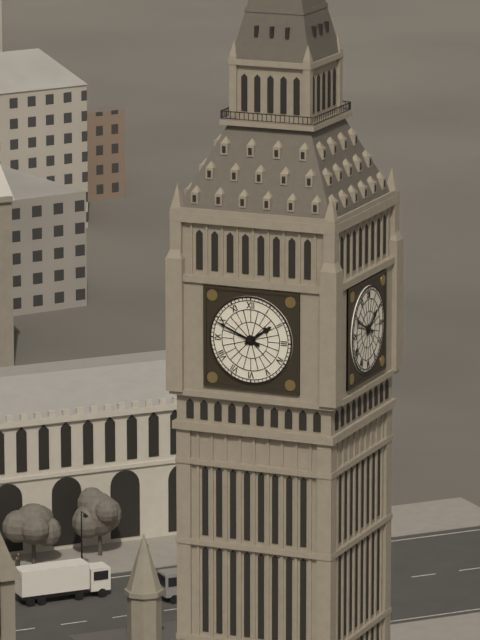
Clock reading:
1 h 49 min
